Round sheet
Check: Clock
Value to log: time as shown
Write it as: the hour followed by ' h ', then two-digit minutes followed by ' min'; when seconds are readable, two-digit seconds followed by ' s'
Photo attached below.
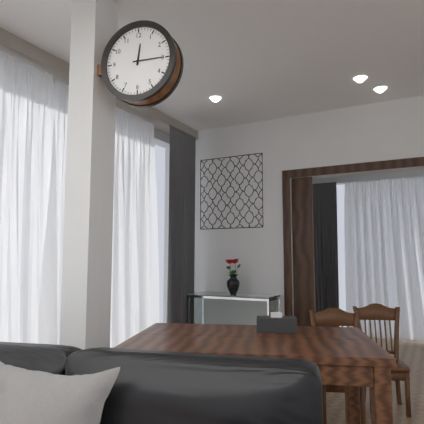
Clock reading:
12 h 15 min
